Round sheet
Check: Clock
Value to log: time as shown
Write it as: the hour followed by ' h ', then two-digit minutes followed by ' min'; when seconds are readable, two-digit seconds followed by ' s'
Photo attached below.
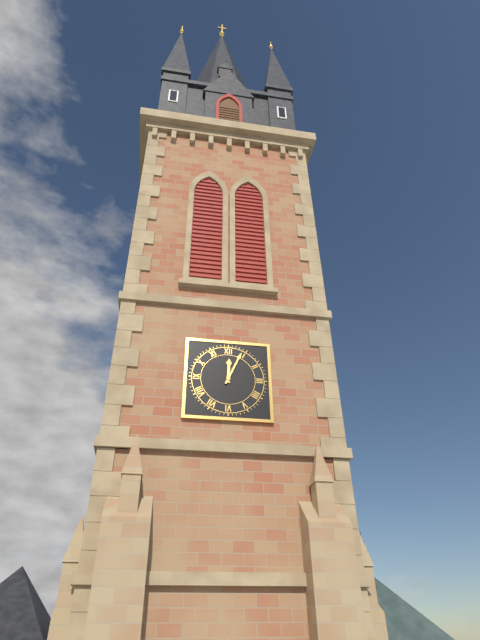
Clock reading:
12 h 04 min
